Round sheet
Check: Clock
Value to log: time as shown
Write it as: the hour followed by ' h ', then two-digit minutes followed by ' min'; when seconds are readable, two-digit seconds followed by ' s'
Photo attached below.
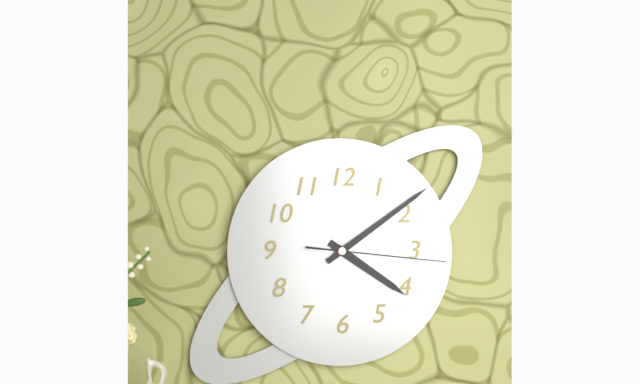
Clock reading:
4 h 09 min 16 s
